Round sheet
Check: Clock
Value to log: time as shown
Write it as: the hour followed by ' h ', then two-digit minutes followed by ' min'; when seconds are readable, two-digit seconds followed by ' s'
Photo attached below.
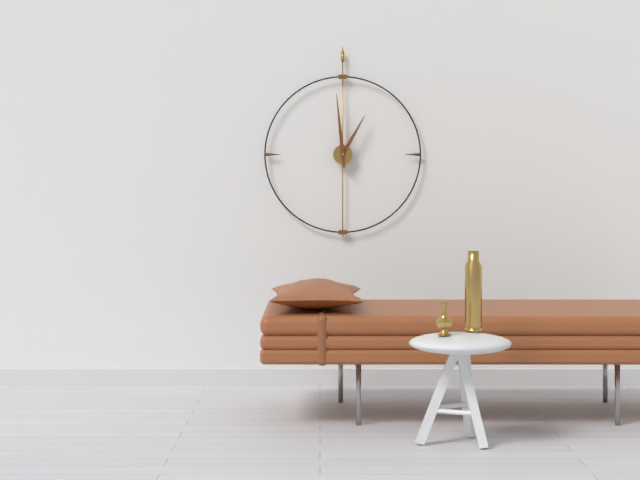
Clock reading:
12 h 59 min
